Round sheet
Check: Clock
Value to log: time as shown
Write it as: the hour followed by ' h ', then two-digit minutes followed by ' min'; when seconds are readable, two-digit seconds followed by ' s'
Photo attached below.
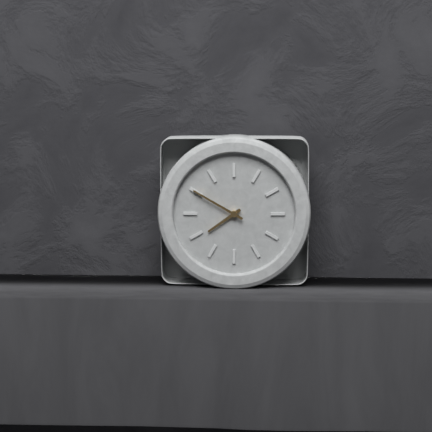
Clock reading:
7 h 50 min
